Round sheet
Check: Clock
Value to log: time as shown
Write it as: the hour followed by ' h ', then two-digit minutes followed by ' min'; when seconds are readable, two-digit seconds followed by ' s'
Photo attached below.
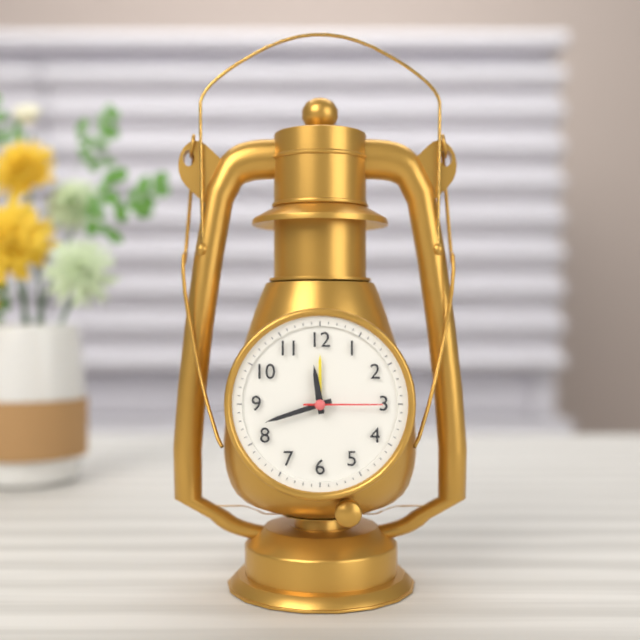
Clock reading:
11 h 42 min 15 s
